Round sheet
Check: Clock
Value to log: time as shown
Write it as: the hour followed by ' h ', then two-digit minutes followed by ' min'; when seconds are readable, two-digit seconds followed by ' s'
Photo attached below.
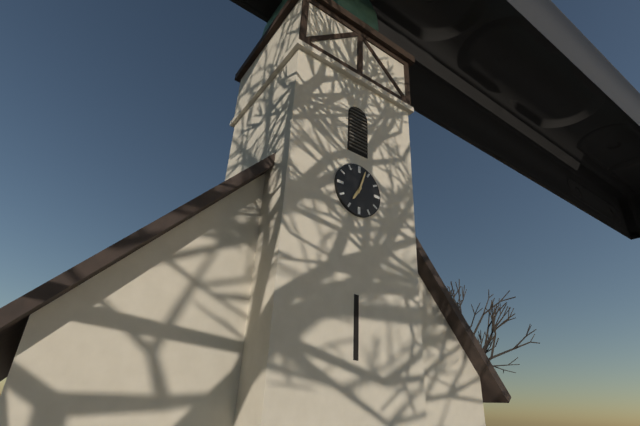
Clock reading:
7 h 03 min
